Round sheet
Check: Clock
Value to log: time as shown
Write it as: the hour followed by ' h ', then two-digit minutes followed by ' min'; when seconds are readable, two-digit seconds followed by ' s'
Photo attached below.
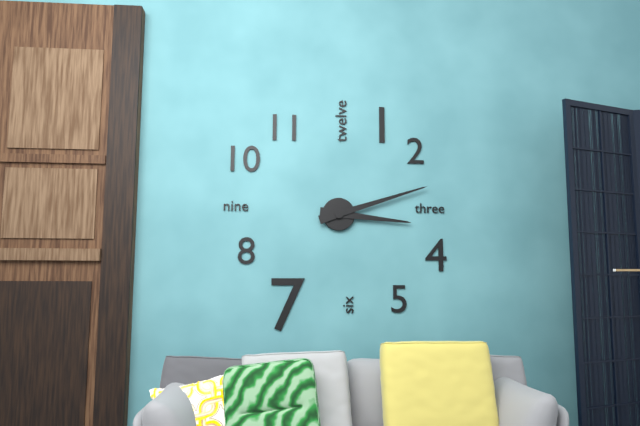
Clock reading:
3 h 12 min
